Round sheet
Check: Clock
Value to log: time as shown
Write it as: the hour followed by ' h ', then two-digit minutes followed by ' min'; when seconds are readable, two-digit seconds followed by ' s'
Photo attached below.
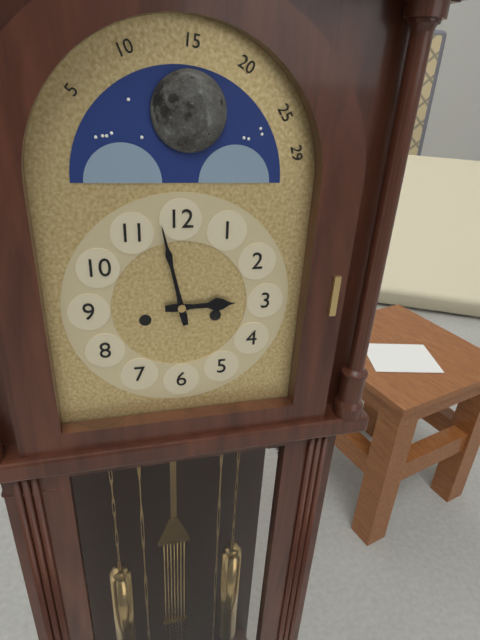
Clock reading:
2 h 58 min
